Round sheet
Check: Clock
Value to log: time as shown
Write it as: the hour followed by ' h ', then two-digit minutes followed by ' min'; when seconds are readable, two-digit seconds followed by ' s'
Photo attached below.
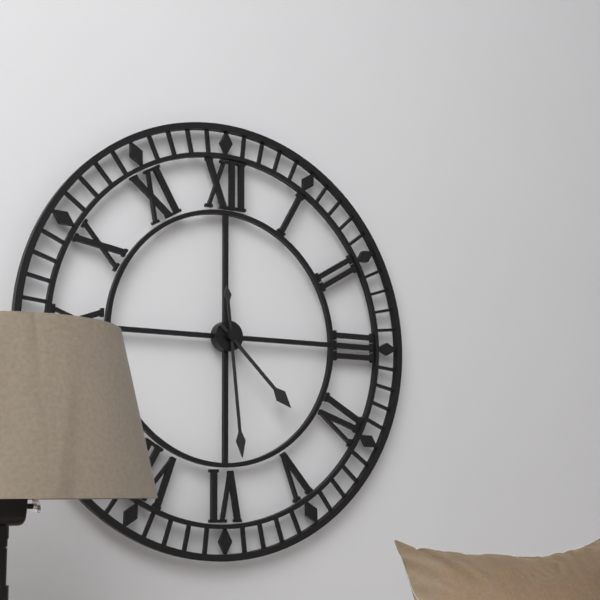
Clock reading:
4 h 29 min
